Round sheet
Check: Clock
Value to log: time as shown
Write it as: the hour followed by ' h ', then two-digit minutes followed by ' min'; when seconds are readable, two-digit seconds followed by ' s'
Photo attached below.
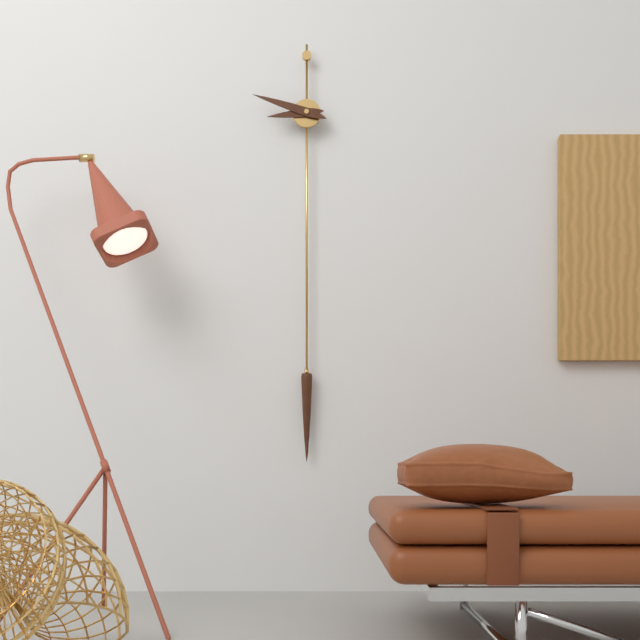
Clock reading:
8 h 48 min
